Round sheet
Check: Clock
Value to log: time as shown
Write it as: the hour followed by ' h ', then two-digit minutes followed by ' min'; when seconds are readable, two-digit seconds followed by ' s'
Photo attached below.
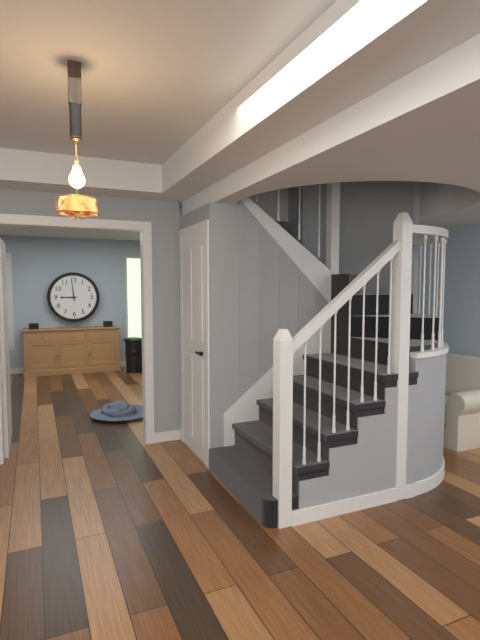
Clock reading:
8 h 59 min
